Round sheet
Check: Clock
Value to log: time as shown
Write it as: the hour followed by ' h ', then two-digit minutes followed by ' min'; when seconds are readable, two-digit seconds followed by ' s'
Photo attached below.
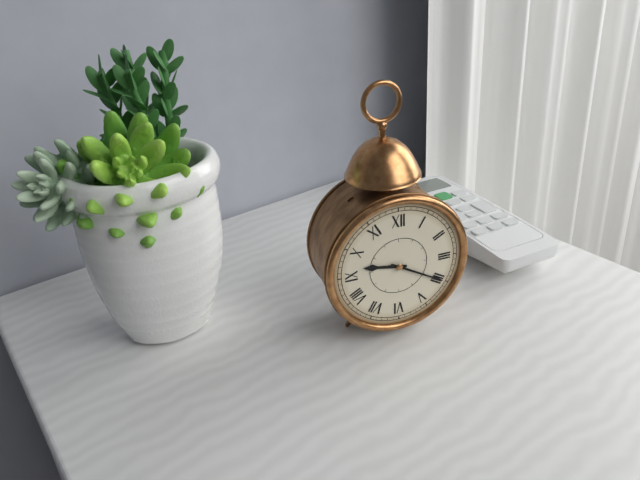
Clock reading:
9 h 20 min
